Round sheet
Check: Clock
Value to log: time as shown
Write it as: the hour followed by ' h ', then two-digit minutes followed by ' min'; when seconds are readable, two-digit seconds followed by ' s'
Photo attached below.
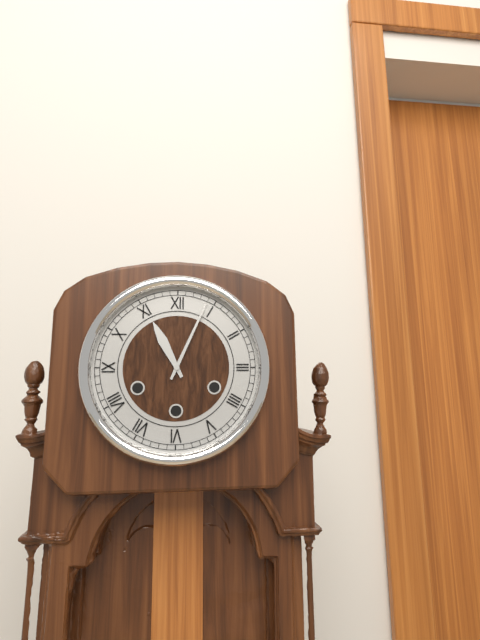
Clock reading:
11 h 04 min
